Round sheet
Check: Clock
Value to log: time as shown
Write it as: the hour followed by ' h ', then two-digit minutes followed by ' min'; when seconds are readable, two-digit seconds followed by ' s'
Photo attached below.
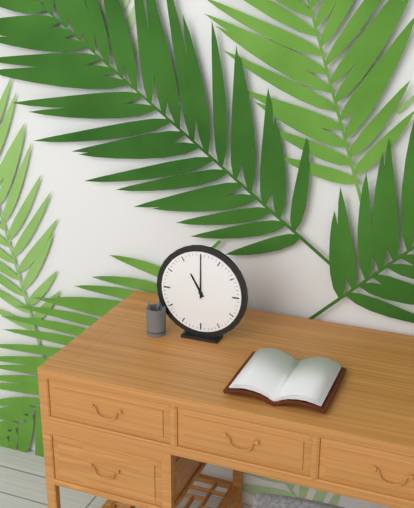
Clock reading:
11 h 00 min
